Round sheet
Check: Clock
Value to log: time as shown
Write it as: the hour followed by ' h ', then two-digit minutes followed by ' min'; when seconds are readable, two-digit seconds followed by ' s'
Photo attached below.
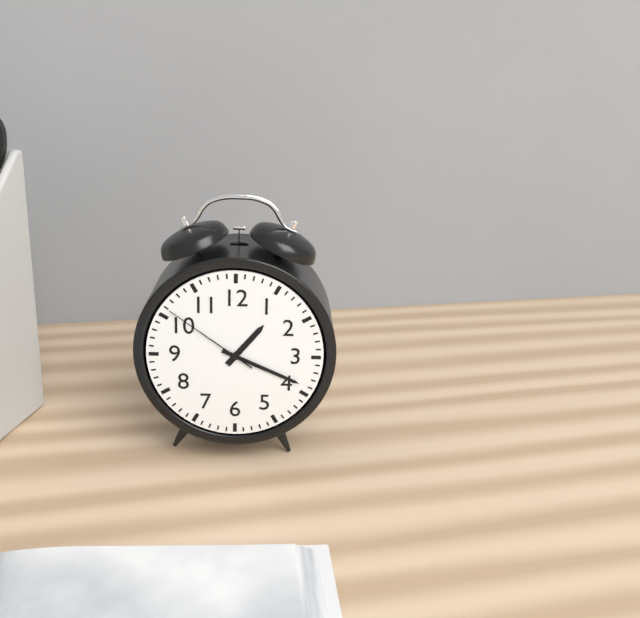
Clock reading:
1 h 19 min 51 s
